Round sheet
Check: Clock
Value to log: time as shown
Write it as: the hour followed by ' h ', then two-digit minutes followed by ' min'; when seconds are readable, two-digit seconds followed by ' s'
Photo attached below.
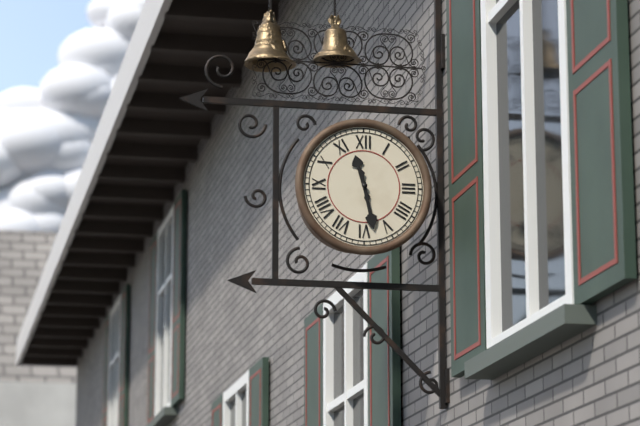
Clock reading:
11 h 28 min
